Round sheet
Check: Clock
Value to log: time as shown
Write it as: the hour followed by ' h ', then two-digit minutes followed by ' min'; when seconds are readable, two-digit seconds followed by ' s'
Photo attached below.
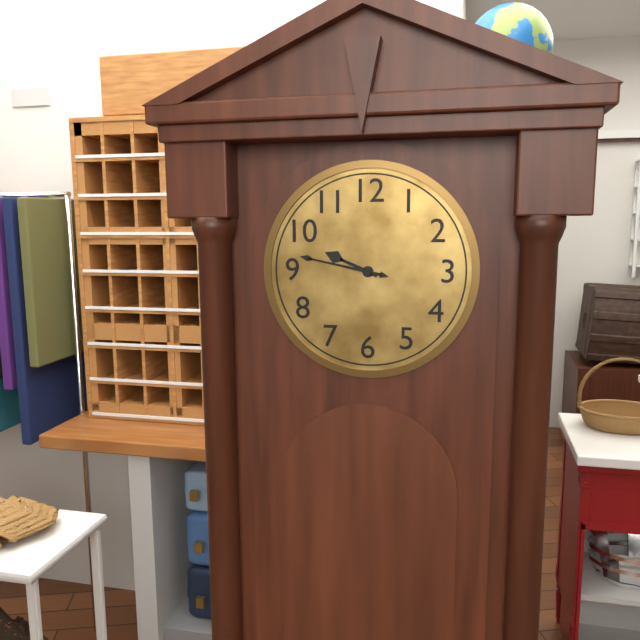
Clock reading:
9 h 47 min
